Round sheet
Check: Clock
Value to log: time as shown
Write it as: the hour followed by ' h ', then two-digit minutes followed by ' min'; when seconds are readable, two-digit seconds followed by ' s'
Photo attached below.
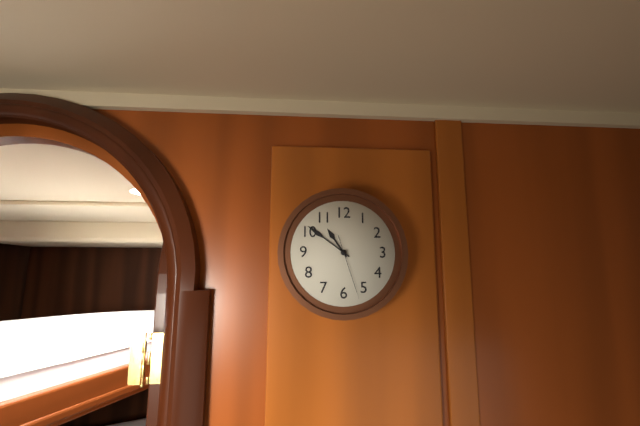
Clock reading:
10 h 51 min 27 s
